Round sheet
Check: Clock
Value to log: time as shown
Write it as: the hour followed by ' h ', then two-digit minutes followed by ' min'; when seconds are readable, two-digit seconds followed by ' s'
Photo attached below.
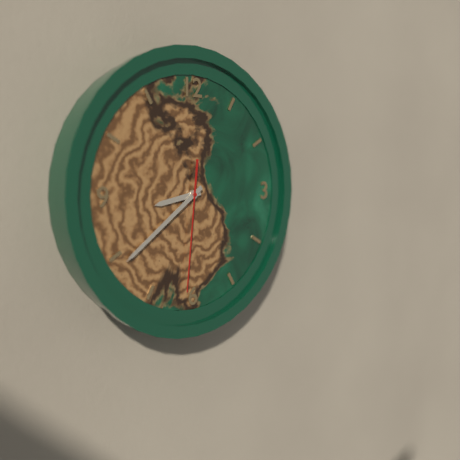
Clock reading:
8 h 39 min 31 s
